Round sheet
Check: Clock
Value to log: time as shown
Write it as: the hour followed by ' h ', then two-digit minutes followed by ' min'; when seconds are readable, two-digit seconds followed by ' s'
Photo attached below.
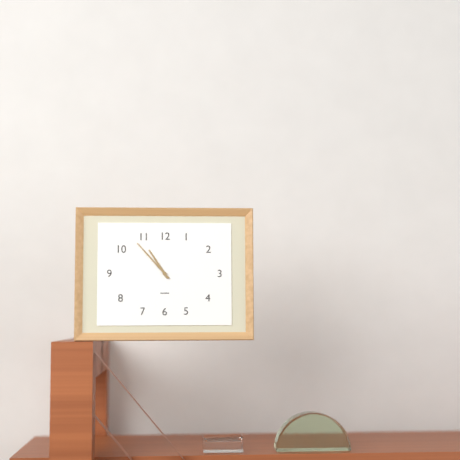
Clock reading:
10 h 53 min
